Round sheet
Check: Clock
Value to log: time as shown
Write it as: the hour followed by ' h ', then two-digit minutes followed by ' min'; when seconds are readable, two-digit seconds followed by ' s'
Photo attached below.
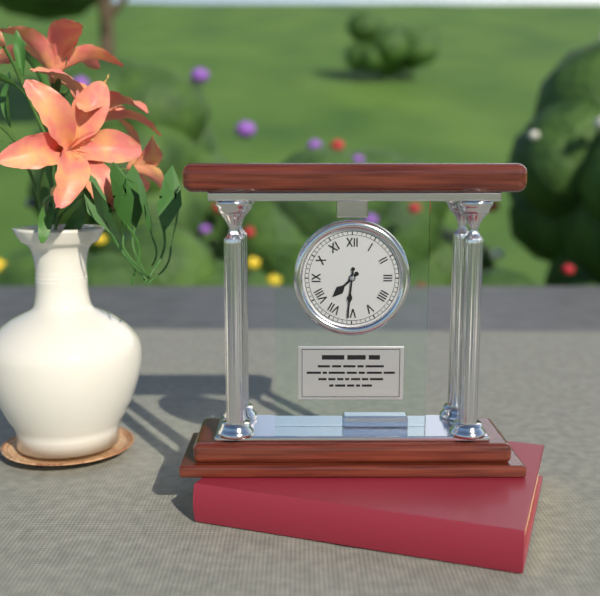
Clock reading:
7 h 31 min
